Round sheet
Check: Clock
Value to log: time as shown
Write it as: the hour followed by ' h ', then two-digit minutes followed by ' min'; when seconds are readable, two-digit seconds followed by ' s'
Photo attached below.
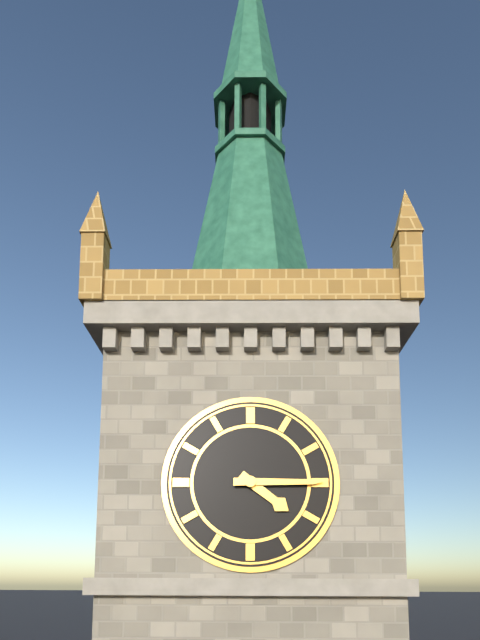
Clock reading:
4 h 15 min
